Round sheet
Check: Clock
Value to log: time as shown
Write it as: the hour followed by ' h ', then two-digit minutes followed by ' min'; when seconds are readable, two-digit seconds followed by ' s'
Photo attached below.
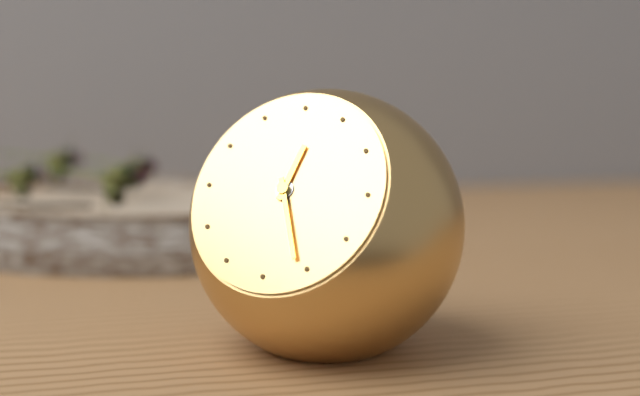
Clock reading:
12 h 26 min
